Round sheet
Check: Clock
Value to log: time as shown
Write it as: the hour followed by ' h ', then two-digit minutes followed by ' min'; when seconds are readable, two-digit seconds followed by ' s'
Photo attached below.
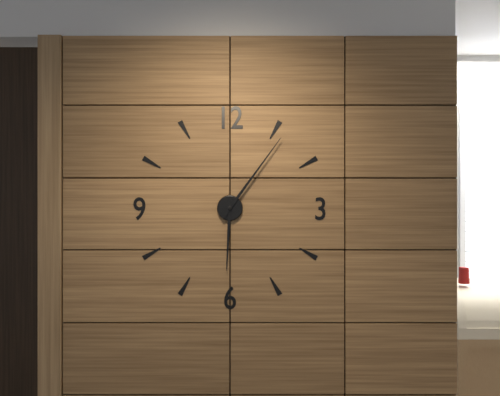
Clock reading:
6 h 06 min
